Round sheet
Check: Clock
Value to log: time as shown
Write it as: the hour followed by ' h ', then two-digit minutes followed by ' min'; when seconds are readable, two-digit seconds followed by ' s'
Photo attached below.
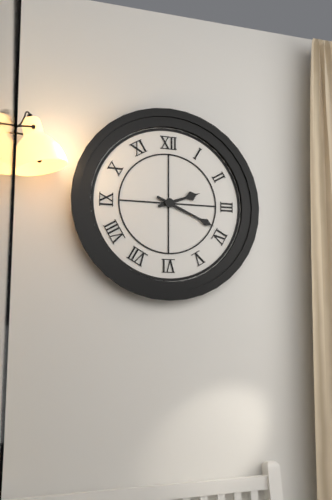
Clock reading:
2 h 19 min
